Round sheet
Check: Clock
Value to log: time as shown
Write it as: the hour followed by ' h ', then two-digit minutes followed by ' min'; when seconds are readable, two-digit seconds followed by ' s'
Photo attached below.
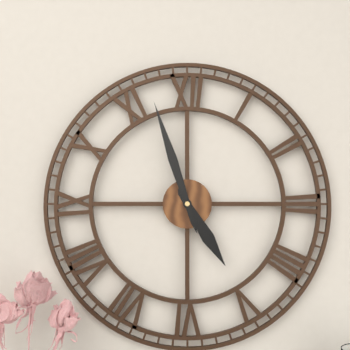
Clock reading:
4 h 57 min
